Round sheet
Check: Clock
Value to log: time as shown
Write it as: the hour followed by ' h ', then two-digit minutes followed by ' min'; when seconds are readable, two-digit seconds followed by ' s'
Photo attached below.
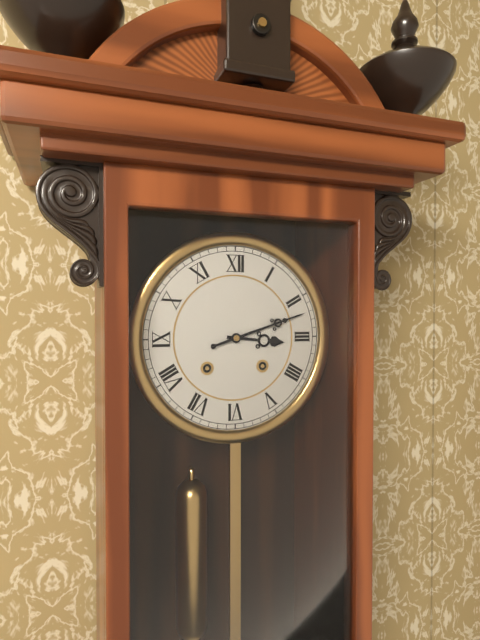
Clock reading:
3 h 12 min
